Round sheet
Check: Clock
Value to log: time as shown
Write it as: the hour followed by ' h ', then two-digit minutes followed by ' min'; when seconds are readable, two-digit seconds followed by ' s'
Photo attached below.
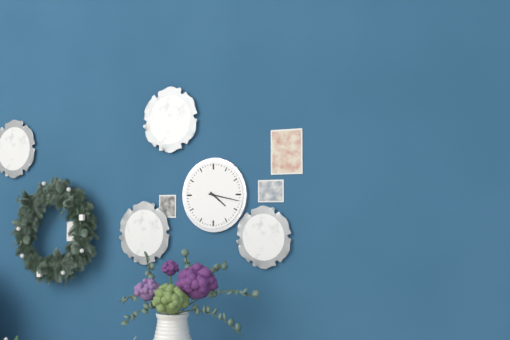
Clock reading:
4 h 17 min
